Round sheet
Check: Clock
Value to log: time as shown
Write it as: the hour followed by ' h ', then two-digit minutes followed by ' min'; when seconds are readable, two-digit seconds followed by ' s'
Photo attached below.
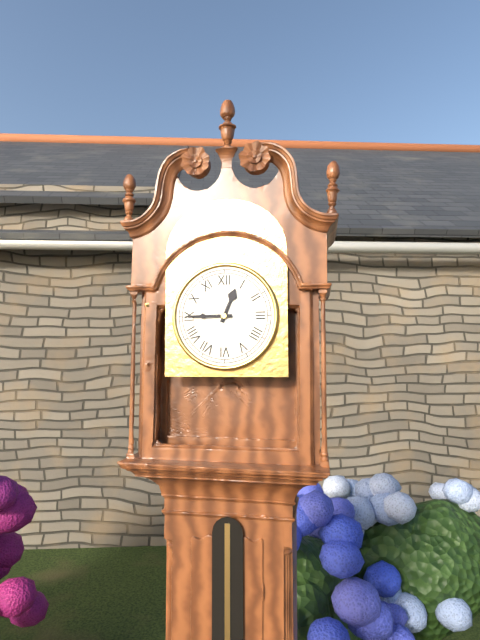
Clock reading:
12 h 45 min
